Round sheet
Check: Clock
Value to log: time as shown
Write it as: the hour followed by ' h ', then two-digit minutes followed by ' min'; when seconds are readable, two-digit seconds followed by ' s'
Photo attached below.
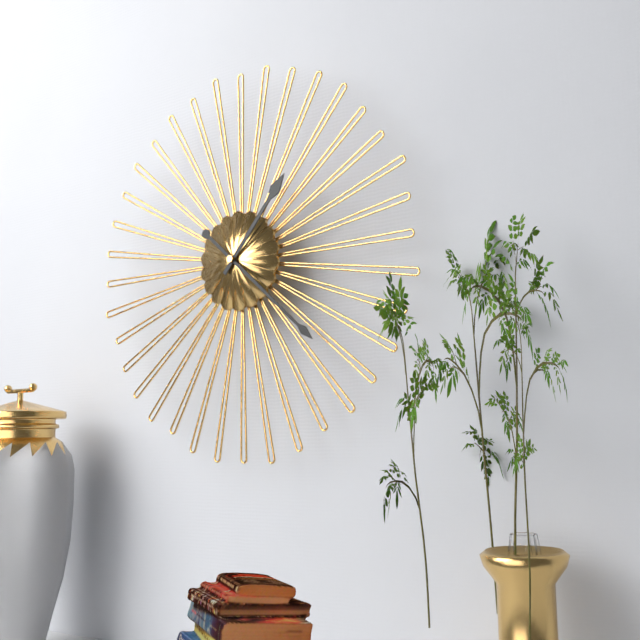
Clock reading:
1 h 22 min
